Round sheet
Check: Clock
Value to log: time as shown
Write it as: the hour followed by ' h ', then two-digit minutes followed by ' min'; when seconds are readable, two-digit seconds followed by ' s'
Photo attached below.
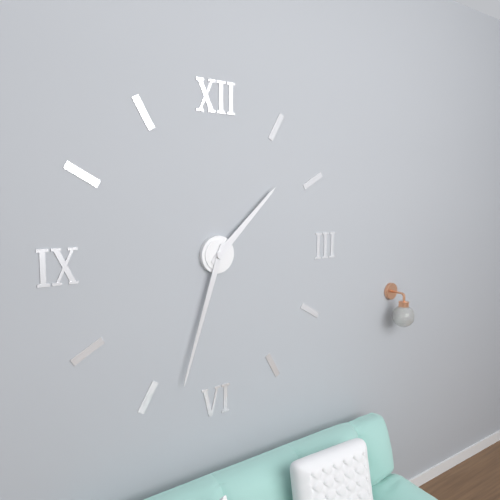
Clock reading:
1 h 33 min
